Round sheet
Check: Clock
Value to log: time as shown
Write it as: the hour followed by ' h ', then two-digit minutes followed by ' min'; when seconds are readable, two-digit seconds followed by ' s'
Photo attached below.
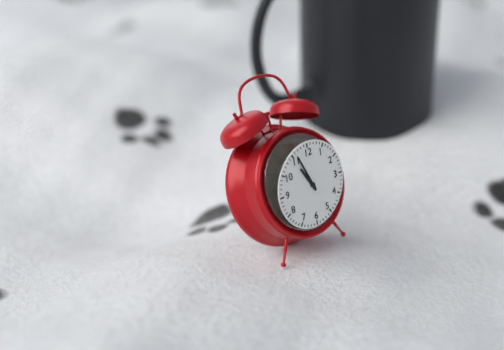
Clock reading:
10 h 56 min
